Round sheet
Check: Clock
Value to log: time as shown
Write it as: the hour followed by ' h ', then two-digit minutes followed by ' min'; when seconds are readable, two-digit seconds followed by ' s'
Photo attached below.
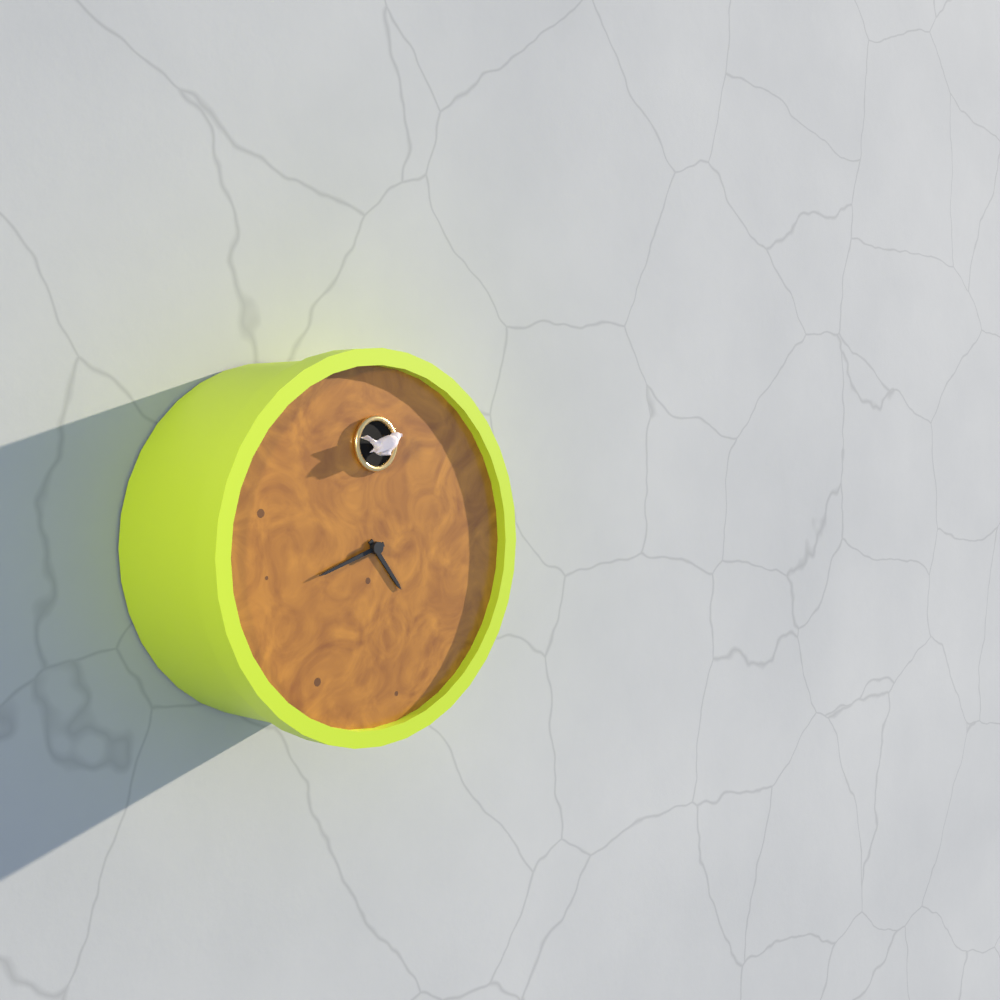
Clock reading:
4 h 42 min
